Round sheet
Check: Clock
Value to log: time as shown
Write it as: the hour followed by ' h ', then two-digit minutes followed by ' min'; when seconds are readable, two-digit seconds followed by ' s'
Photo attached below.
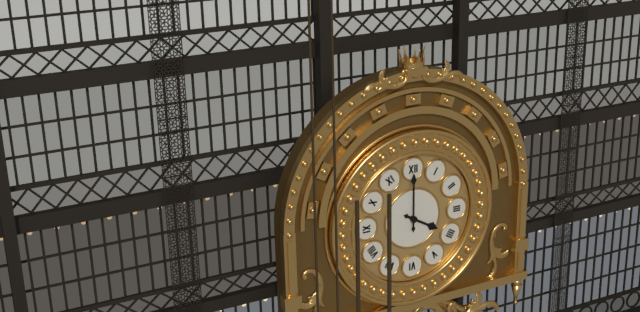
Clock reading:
4 h 00 min
